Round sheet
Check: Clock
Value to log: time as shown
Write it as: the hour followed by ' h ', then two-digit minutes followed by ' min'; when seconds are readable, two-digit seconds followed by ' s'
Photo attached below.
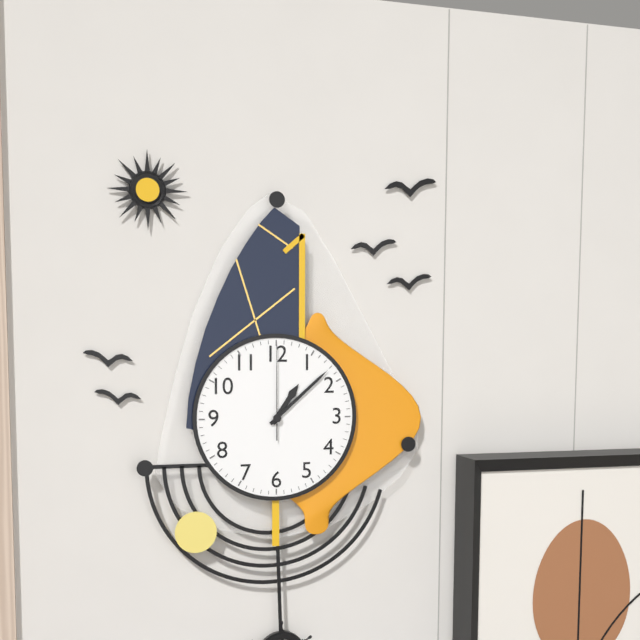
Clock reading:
1 h 08 min 00 s
